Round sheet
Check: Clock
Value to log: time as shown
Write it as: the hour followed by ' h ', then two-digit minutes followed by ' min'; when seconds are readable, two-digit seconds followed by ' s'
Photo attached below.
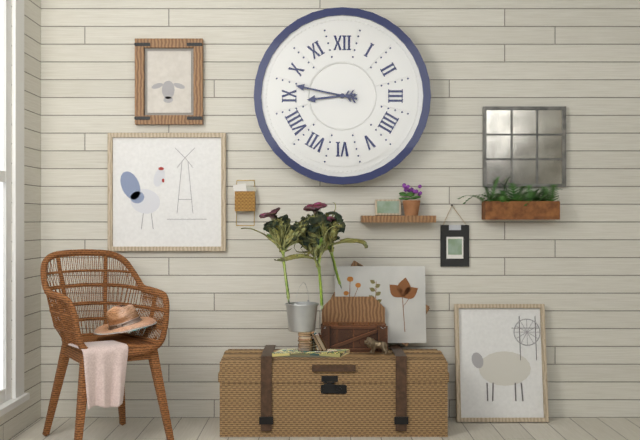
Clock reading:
8 h 47 min
